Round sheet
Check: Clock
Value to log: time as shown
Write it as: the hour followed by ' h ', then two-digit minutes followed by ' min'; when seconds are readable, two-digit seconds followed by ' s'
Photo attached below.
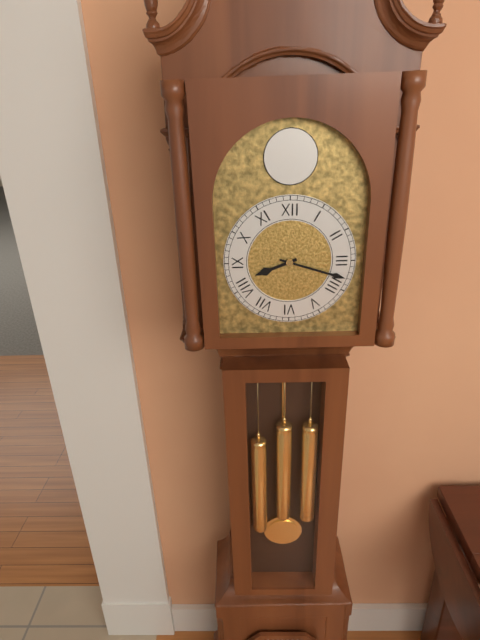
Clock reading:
8 h 18 min
